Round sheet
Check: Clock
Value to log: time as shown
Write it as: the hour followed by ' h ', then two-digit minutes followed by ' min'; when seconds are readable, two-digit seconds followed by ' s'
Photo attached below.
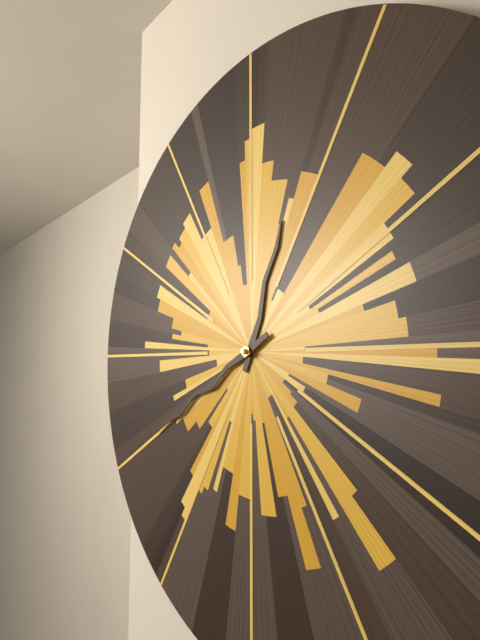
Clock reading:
12 h 40 min
